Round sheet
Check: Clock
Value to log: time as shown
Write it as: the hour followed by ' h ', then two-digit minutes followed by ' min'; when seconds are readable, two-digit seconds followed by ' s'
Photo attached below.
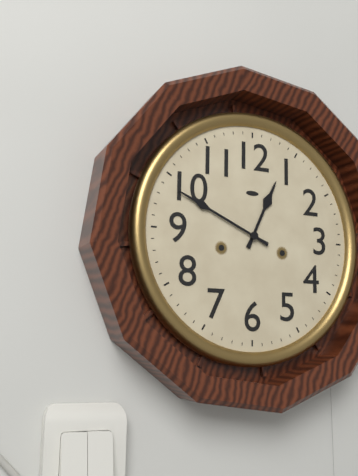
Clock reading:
12 h 49 min
